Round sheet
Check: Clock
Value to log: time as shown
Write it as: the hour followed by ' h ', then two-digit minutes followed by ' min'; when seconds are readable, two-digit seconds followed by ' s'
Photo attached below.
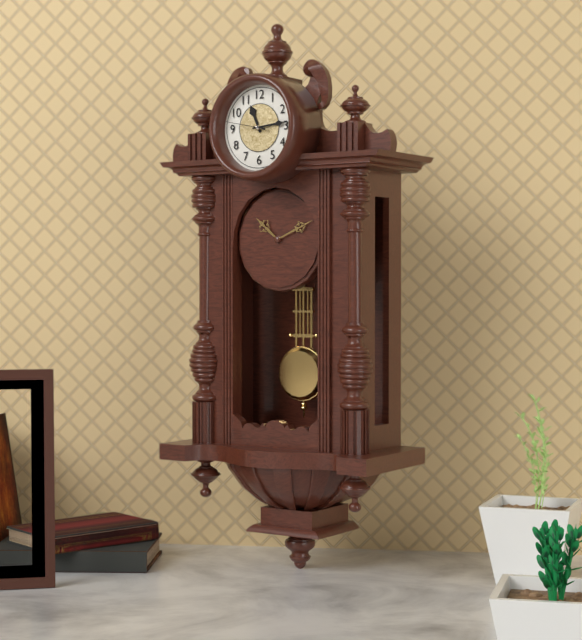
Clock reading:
11 h 14 min
